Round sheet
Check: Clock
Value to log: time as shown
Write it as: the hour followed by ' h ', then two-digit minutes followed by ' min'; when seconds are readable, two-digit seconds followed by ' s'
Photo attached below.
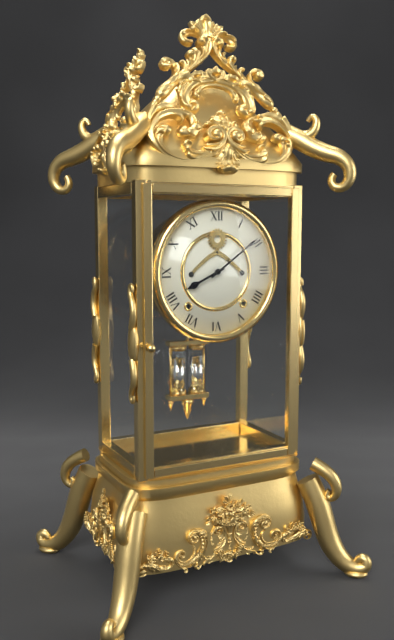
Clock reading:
8 h 09 min
